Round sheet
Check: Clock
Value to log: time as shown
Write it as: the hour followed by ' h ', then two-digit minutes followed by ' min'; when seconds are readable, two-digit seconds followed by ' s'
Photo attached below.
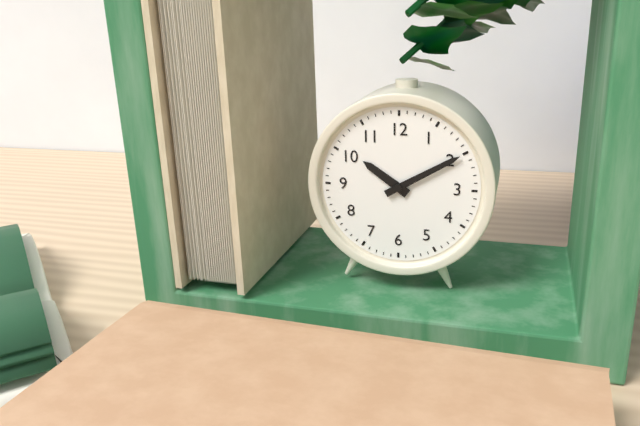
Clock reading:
10 h 10 min
